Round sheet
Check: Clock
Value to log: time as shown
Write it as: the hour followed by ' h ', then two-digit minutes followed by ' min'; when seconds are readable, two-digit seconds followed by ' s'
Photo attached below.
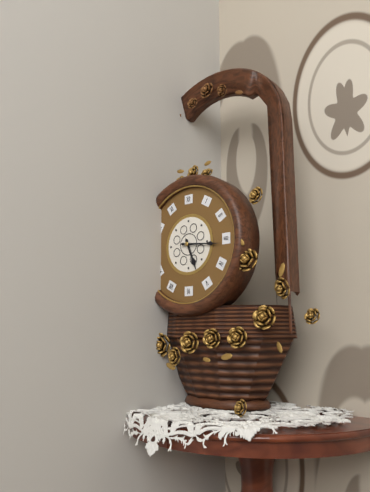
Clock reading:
5 h 16 min
